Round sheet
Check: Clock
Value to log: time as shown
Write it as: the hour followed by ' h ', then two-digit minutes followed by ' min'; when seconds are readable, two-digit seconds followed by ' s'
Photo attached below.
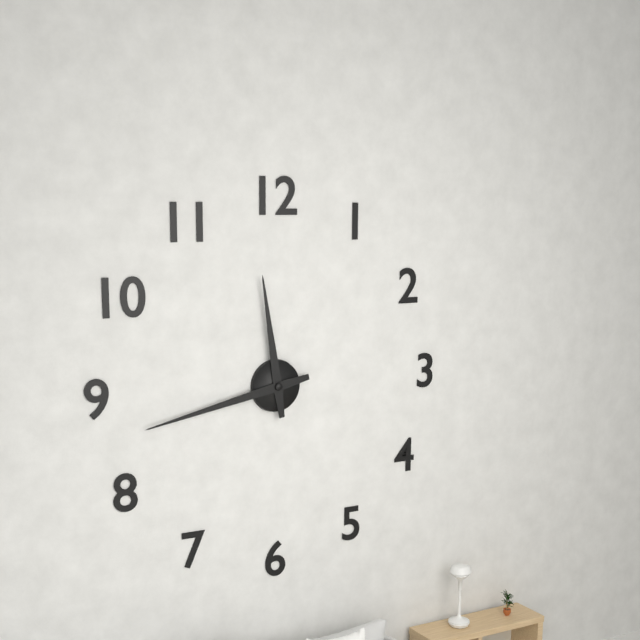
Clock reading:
11 h 43 min
